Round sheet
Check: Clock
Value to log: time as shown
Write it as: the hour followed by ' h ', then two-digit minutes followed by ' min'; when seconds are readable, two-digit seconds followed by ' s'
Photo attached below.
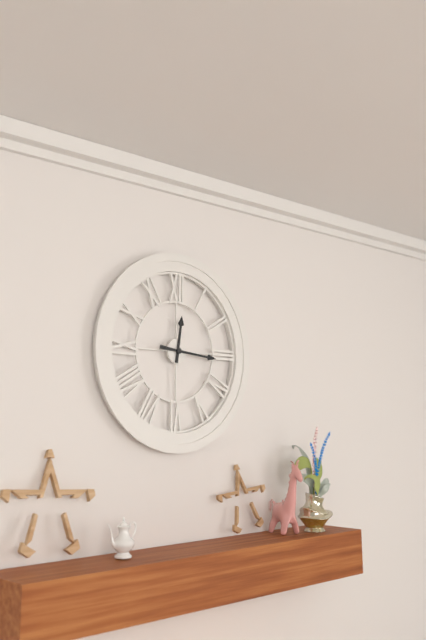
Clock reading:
12 h 16 min
